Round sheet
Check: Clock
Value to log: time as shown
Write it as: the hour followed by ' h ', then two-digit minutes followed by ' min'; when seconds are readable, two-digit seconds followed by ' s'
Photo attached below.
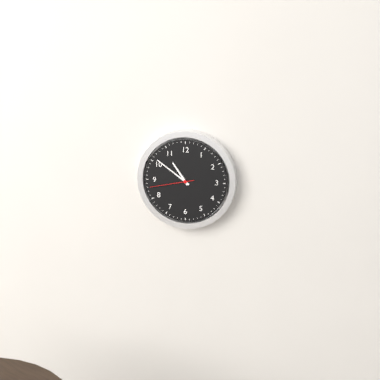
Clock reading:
10 h 51 min
